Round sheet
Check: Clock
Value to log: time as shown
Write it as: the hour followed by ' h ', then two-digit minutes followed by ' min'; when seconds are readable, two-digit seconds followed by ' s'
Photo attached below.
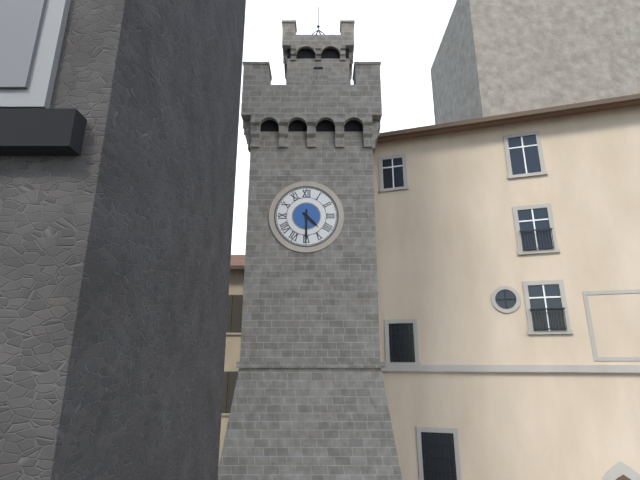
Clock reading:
4 h 30 min
